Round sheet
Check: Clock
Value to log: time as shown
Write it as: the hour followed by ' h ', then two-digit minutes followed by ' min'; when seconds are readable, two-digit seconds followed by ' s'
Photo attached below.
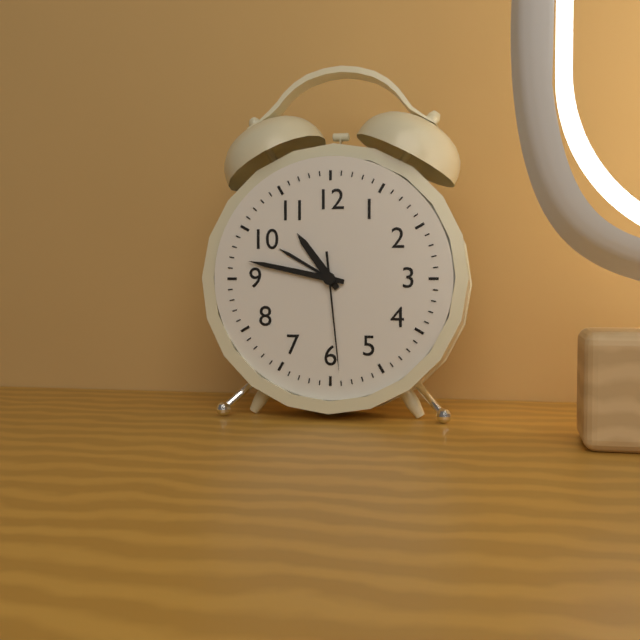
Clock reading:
10 h 47 min 29 s
